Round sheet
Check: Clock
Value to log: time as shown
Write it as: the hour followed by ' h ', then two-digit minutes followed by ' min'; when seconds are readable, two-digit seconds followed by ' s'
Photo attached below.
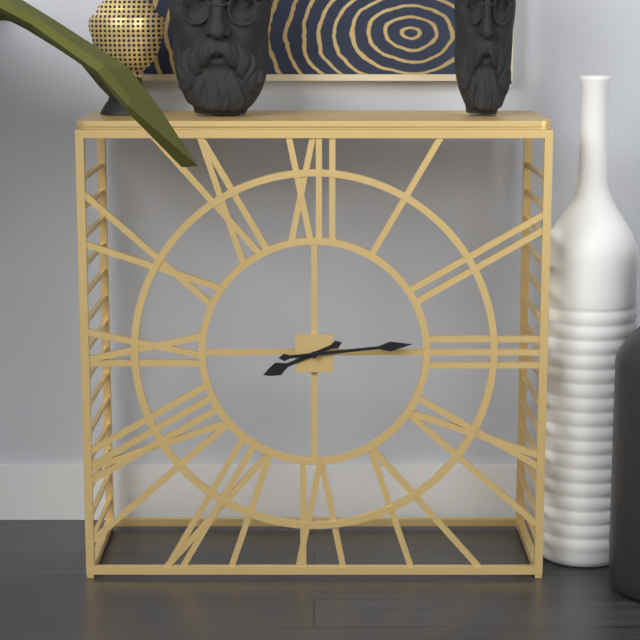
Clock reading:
8 h 14 min
